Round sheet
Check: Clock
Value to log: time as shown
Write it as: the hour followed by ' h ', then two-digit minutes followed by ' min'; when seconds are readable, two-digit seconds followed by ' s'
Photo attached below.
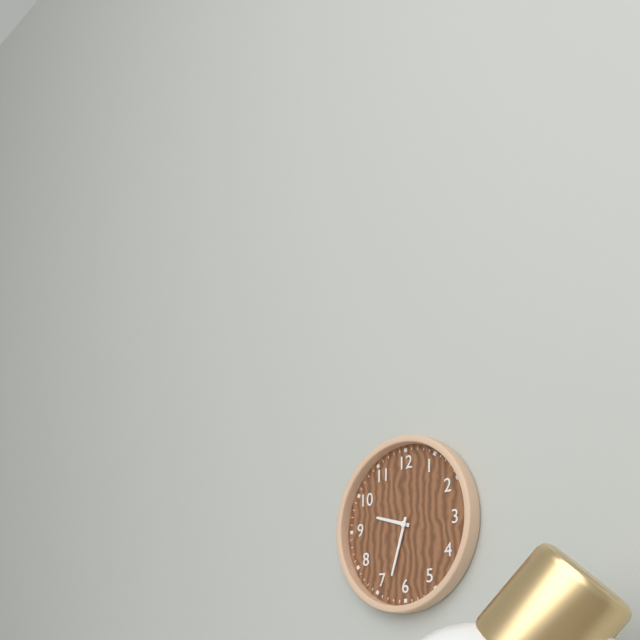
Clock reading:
9 h 33 min
